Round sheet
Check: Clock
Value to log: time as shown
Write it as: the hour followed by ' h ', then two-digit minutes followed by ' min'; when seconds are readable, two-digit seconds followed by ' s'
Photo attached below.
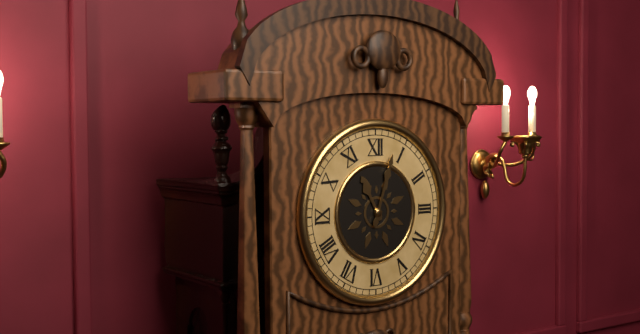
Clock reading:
11 h 03 min
